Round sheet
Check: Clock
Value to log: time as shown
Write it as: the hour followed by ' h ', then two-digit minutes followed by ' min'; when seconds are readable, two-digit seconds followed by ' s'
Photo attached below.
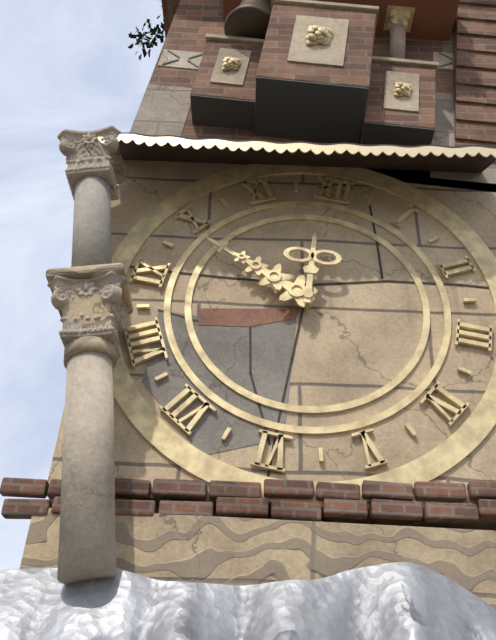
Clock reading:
11 h 49 min
